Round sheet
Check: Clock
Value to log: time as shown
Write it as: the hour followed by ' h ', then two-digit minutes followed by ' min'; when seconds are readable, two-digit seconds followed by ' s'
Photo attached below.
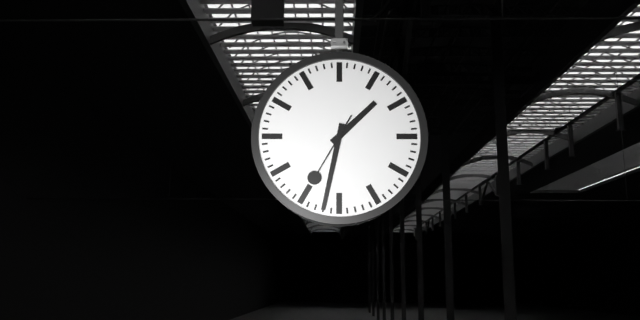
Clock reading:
1 h 32 min 35 s
